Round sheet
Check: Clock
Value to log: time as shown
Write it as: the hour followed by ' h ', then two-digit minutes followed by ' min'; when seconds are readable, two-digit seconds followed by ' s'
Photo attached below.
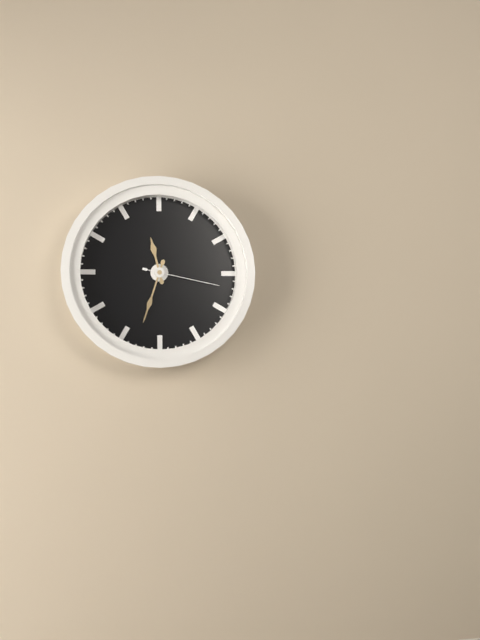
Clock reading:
11 h 33 min 17 s
